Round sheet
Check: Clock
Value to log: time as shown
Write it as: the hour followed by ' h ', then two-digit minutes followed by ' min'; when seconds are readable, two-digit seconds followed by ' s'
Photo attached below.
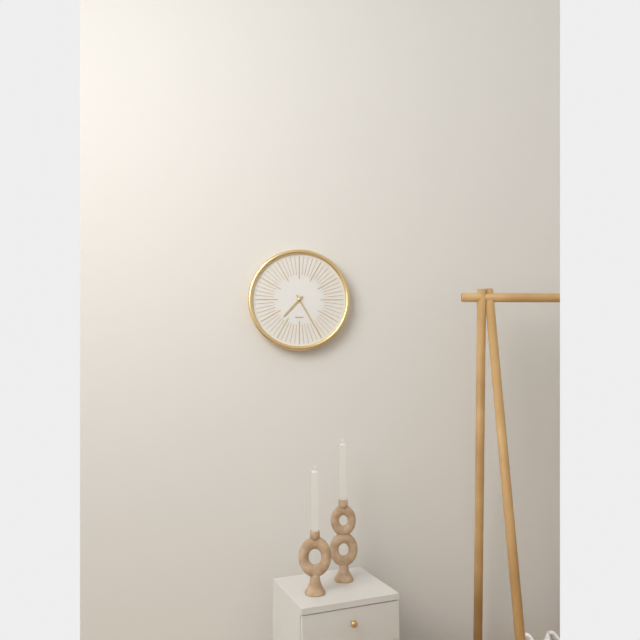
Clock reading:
7 h 25 min
